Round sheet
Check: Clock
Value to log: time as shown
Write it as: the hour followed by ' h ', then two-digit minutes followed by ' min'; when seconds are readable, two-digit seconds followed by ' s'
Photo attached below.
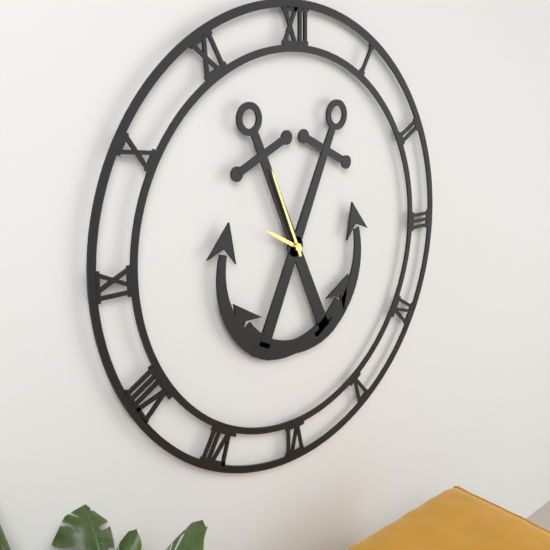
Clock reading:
9 h 56 min
